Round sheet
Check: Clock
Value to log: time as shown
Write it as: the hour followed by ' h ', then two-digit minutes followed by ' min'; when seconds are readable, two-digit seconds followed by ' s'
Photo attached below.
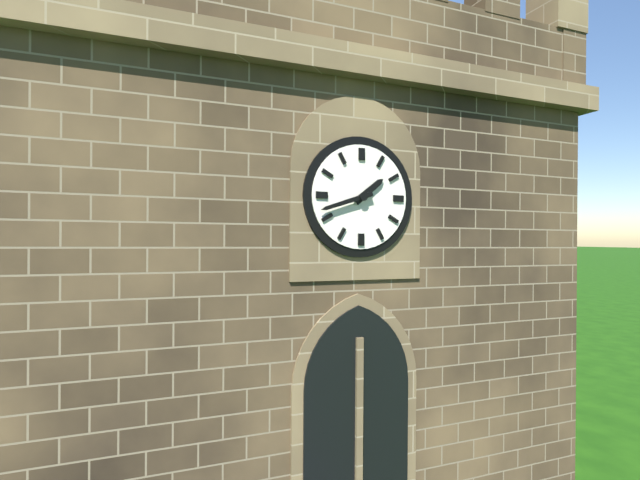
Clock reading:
1 h 42 min
